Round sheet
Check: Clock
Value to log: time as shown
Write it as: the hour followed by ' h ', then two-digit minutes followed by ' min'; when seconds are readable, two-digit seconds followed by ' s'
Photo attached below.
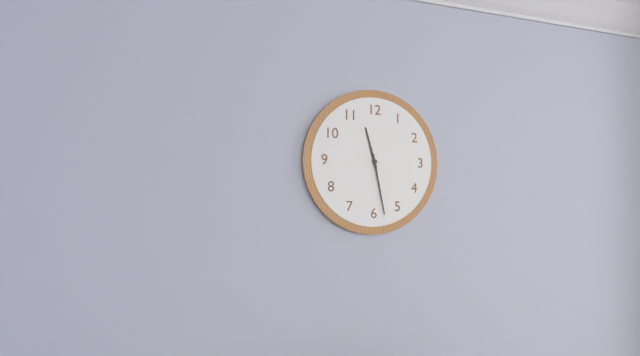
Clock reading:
11 h 28 min
